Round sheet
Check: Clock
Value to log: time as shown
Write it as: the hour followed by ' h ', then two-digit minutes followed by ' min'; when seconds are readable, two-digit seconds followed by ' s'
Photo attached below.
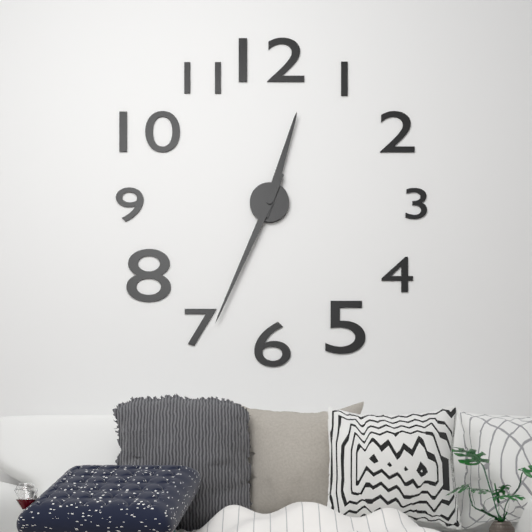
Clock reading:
12 h 34 min
